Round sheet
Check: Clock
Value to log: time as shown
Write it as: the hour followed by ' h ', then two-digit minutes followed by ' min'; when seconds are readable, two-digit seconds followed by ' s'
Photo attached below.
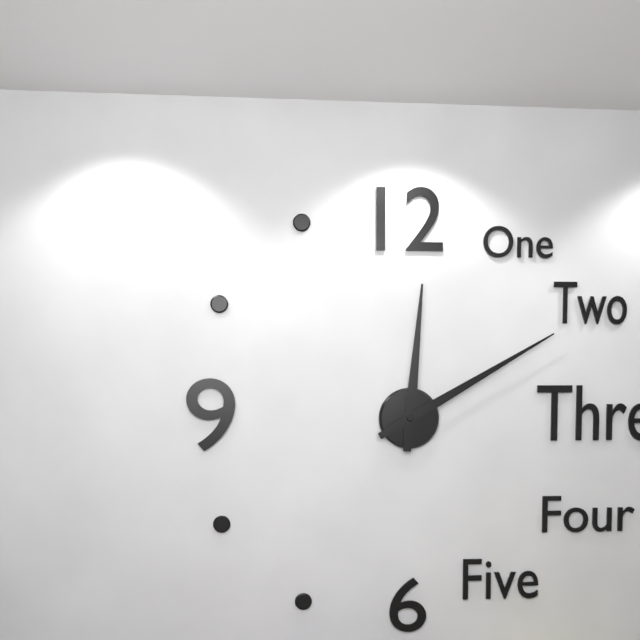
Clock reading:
12 h 10 min
